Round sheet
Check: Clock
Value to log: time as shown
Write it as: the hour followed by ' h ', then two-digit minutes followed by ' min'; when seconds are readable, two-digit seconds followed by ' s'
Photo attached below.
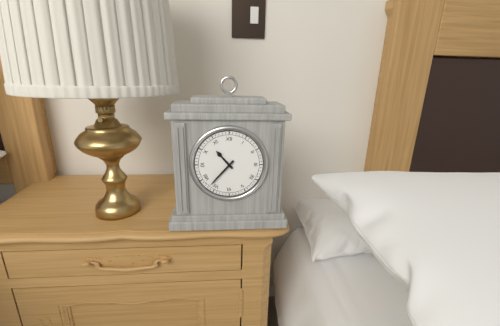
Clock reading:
10 h 37 min
